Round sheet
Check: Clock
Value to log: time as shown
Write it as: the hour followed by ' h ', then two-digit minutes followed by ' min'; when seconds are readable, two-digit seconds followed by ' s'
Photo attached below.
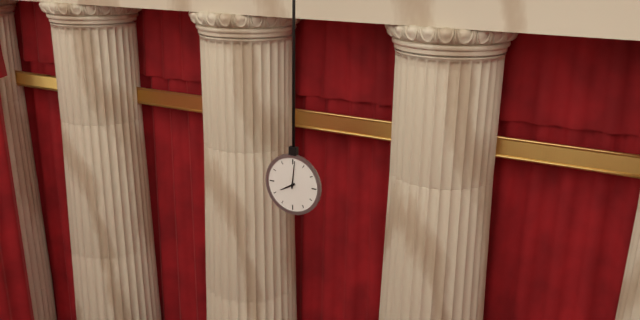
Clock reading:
8 h 01 min
